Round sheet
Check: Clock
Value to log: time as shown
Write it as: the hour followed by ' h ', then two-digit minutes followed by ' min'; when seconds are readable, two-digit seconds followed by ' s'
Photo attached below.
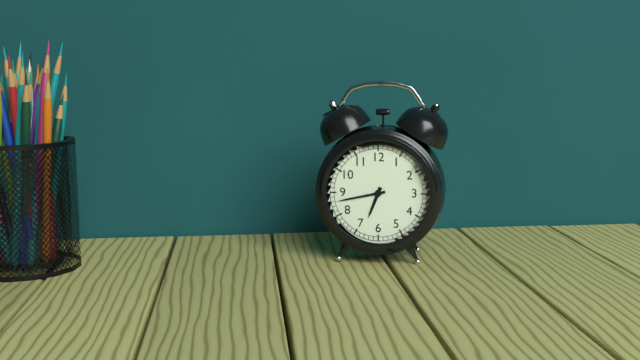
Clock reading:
6 h 43 min
